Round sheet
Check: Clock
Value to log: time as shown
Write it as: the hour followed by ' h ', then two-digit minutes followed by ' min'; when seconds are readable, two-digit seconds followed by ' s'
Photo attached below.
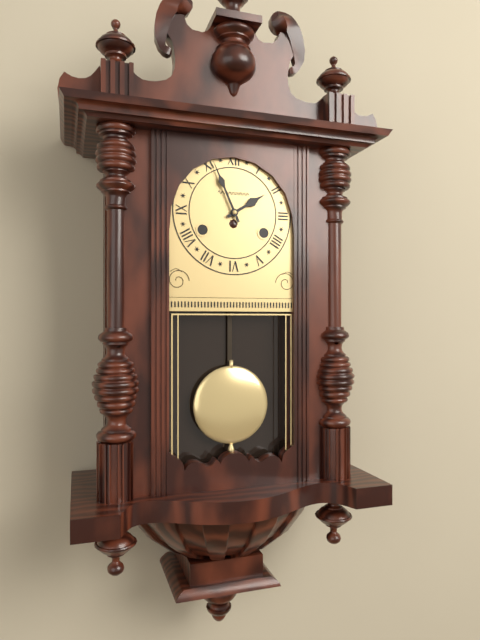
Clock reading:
1 h 56 min
